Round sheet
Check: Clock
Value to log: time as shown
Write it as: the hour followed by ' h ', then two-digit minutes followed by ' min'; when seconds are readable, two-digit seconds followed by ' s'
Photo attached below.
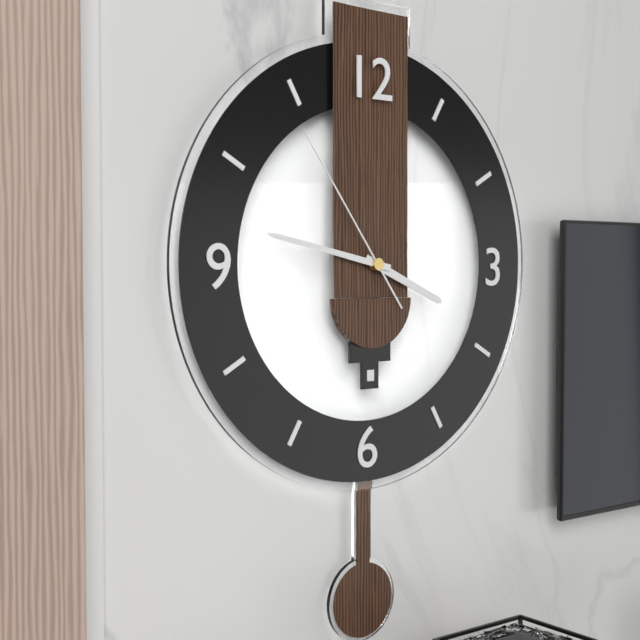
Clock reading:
3 h 47 min 54 s
